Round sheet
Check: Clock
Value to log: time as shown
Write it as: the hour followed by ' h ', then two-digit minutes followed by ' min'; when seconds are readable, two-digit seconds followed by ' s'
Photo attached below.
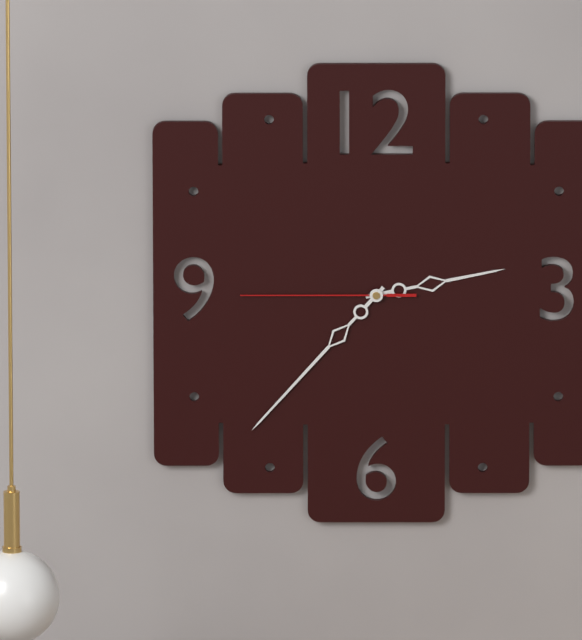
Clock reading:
2 h 37 min 45 s
